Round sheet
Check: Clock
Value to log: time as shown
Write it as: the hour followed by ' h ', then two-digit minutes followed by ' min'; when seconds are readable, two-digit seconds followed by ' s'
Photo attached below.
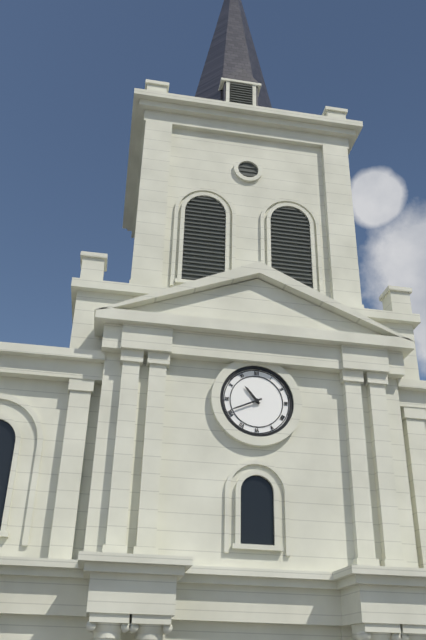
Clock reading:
10 h 41 min
